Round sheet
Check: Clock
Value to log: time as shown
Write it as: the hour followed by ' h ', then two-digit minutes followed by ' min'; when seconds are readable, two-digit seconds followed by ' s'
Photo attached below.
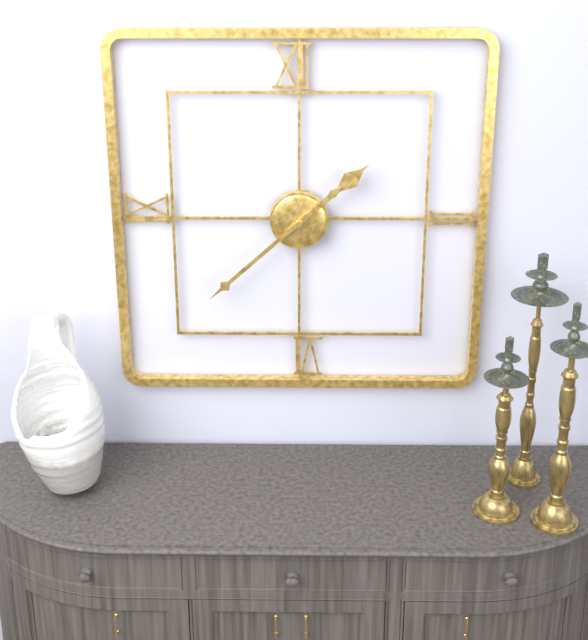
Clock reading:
1 h 38 min
